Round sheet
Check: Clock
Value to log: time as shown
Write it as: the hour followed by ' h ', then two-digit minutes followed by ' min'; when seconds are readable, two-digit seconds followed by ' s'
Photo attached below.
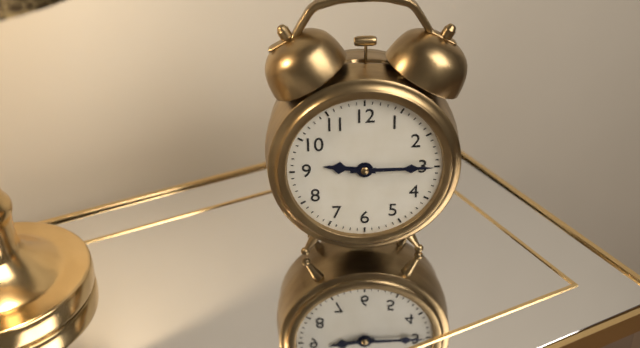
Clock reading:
9 h 15 min
